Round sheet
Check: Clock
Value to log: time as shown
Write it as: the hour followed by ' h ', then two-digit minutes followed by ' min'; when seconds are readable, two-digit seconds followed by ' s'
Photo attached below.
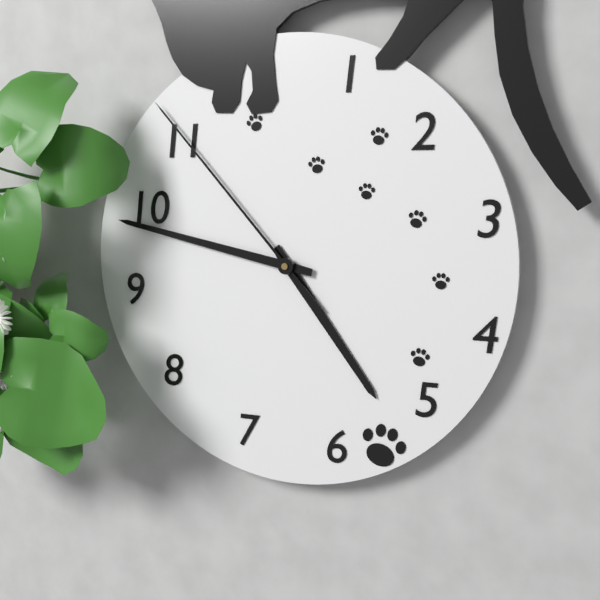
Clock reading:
4 h 47 min 53 s
